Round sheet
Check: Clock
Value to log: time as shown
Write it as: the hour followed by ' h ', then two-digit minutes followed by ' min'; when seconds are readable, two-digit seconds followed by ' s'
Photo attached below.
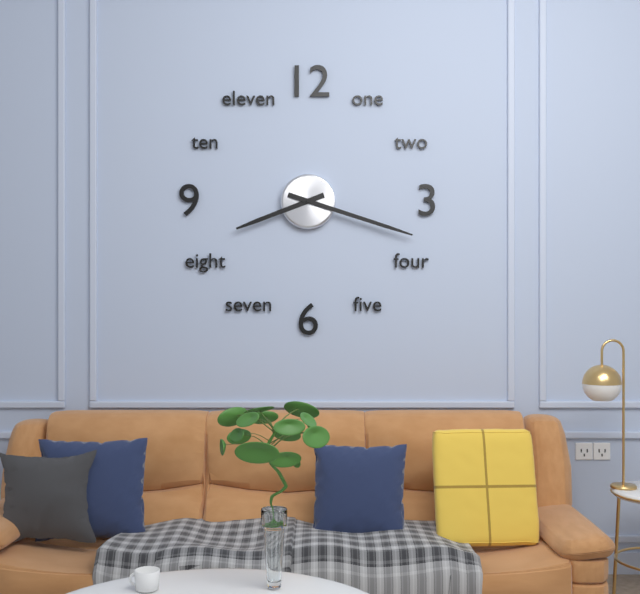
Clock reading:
8 h 18 min
